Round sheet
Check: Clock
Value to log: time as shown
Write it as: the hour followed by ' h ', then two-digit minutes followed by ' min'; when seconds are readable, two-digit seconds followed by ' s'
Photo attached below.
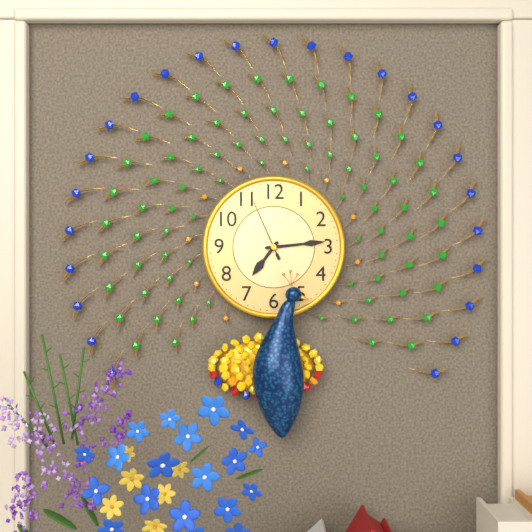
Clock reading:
7 h 14 min 56 s
